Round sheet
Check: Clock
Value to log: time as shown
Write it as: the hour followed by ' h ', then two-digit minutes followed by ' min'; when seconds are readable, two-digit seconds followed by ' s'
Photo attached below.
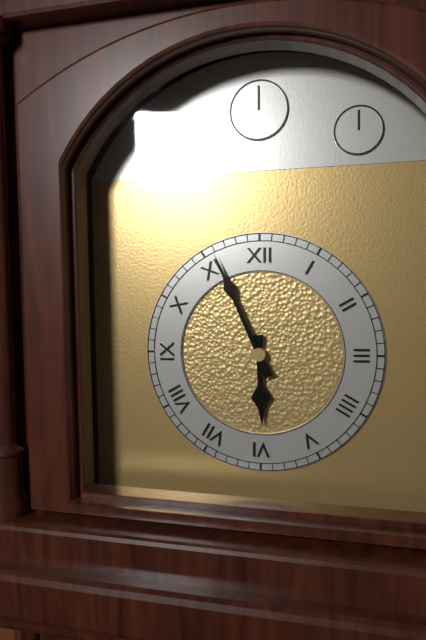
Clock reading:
5 h 56 min
